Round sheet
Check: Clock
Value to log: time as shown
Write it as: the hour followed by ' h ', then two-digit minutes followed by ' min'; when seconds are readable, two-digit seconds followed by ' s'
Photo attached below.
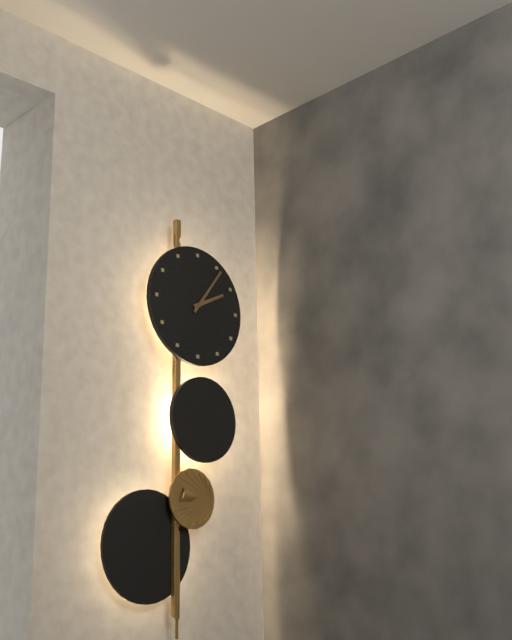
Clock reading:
2 h 06 min
